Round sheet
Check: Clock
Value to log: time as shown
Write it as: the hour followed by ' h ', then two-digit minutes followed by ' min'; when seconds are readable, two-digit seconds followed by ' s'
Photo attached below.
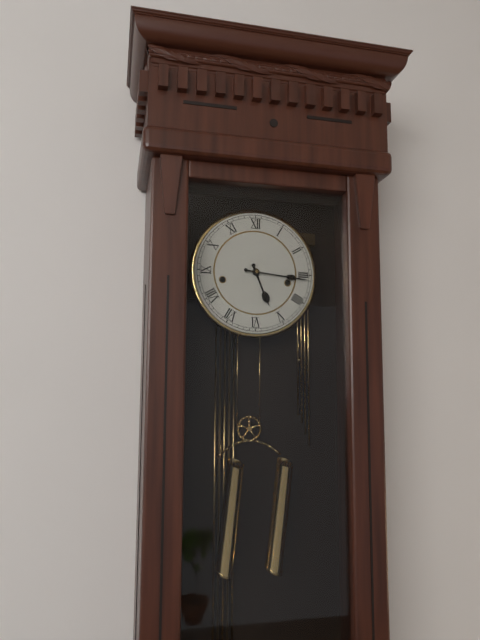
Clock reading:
5 h 16 min
